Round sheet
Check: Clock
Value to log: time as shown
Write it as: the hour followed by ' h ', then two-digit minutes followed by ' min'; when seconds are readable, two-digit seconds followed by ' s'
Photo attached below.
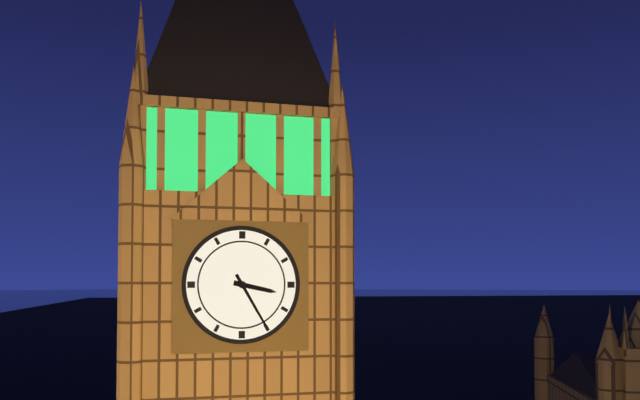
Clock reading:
3 h 25 min
